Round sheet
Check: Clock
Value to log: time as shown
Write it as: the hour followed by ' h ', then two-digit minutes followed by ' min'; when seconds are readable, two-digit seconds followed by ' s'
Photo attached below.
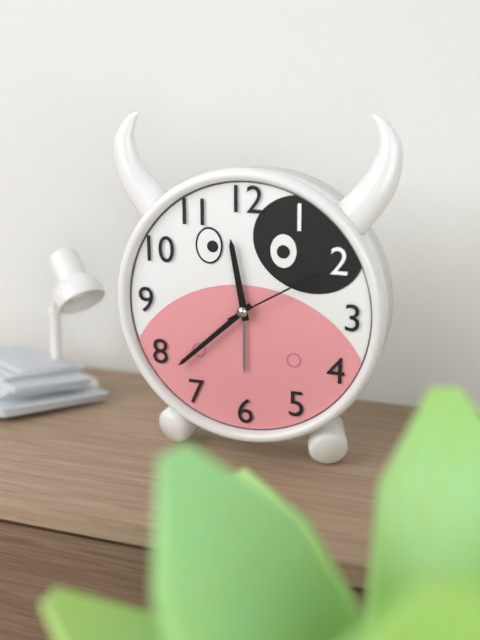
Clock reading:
11 h 38 min 10 s
